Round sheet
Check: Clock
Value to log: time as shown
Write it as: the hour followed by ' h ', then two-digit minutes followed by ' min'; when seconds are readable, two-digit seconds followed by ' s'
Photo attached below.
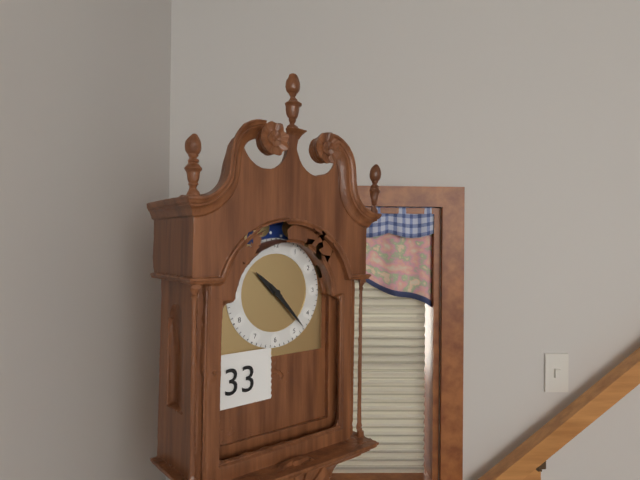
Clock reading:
10 h 23 min
